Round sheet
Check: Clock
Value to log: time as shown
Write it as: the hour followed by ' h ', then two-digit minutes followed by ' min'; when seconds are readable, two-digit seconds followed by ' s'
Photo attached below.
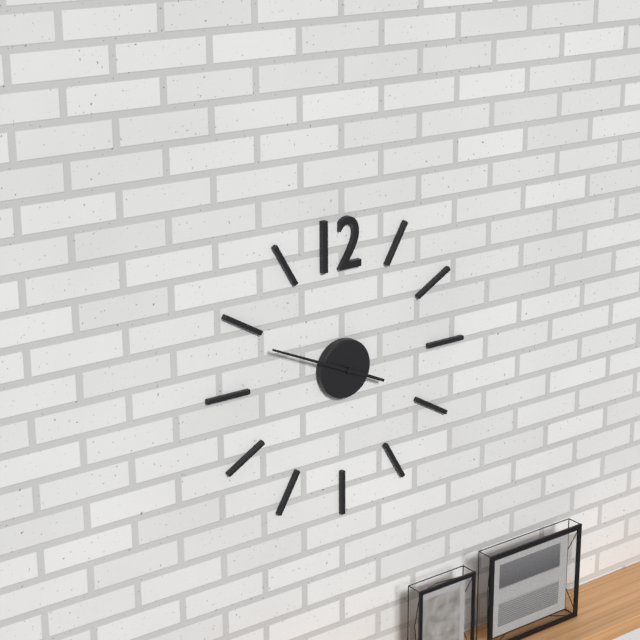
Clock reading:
3 h 49 min
